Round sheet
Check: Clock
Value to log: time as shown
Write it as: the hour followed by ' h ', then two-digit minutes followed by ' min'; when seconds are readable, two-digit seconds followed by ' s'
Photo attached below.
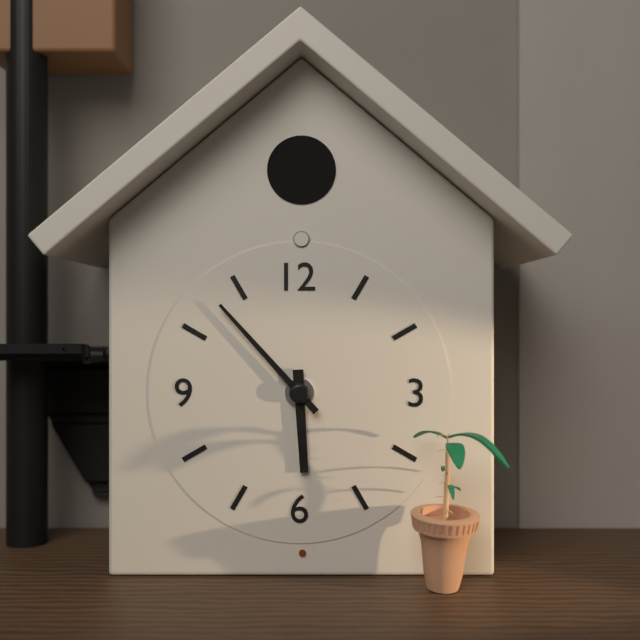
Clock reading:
5 h 53 min
